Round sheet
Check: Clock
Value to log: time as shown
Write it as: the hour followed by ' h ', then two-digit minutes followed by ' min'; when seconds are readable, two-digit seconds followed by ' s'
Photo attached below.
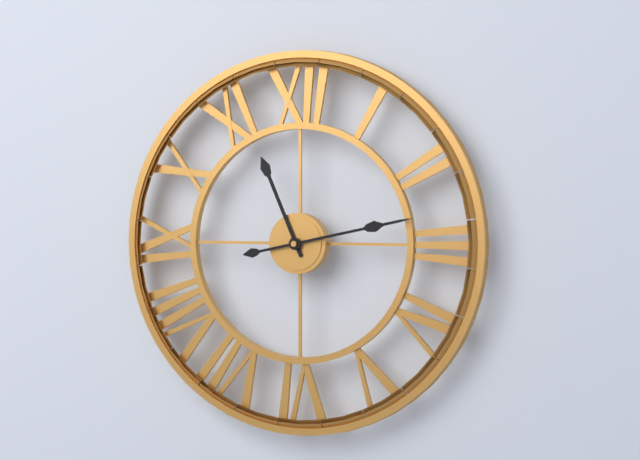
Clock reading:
11 h 13 min
